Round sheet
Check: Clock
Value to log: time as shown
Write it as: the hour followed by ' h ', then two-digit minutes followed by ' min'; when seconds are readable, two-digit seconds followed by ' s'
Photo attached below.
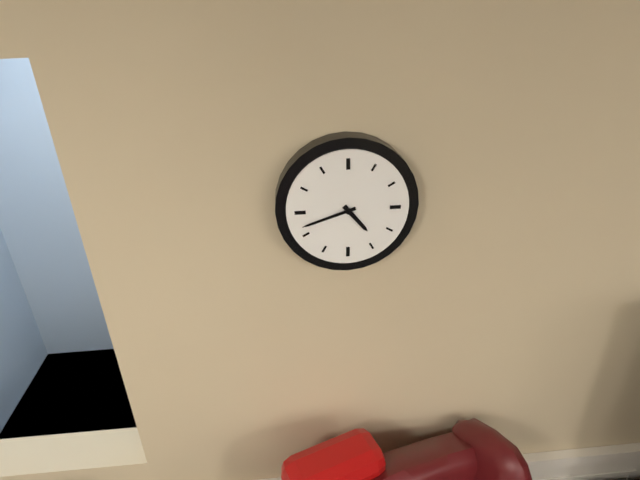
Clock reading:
4 h 42 min
